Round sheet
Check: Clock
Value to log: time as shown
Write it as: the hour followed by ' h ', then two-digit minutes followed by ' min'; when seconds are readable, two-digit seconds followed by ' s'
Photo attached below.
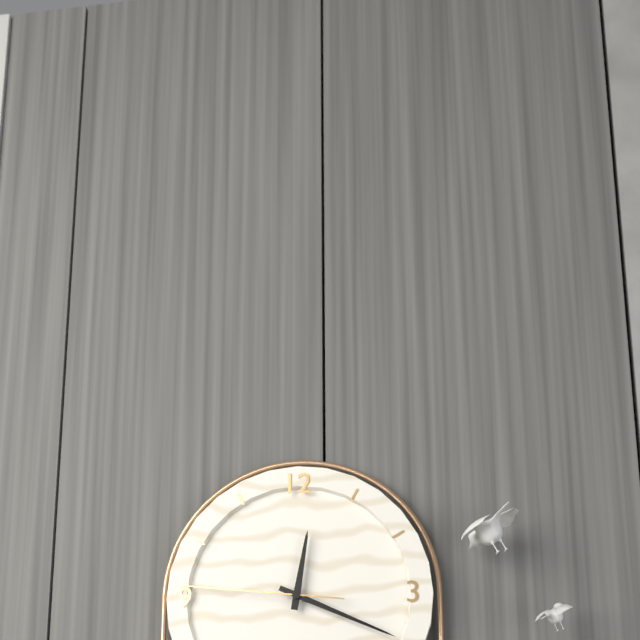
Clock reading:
12 h 19 min 46 s
